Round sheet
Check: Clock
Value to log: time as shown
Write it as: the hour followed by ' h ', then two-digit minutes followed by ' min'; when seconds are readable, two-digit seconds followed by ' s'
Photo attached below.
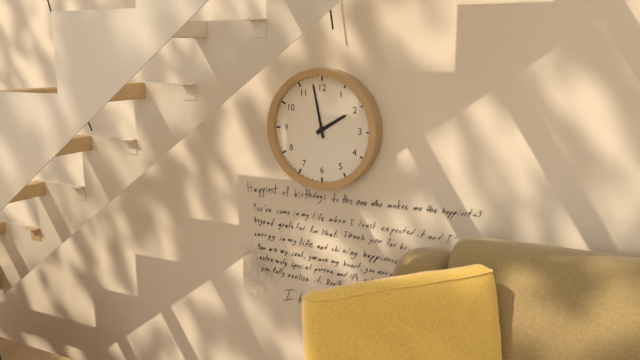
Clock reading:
1 h 58 min
